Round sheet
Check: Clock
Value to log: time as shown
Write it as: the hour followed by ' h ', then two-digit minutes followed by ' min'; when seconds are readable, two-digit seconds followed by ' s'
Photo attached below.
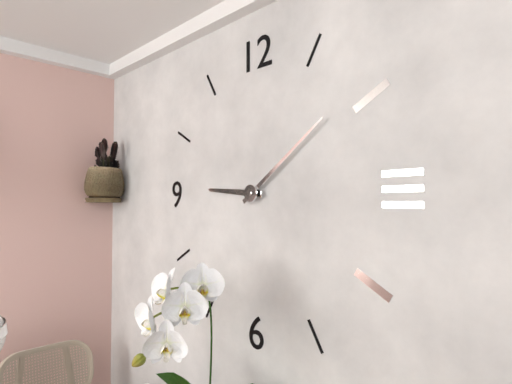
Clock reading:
9 h 09 min
